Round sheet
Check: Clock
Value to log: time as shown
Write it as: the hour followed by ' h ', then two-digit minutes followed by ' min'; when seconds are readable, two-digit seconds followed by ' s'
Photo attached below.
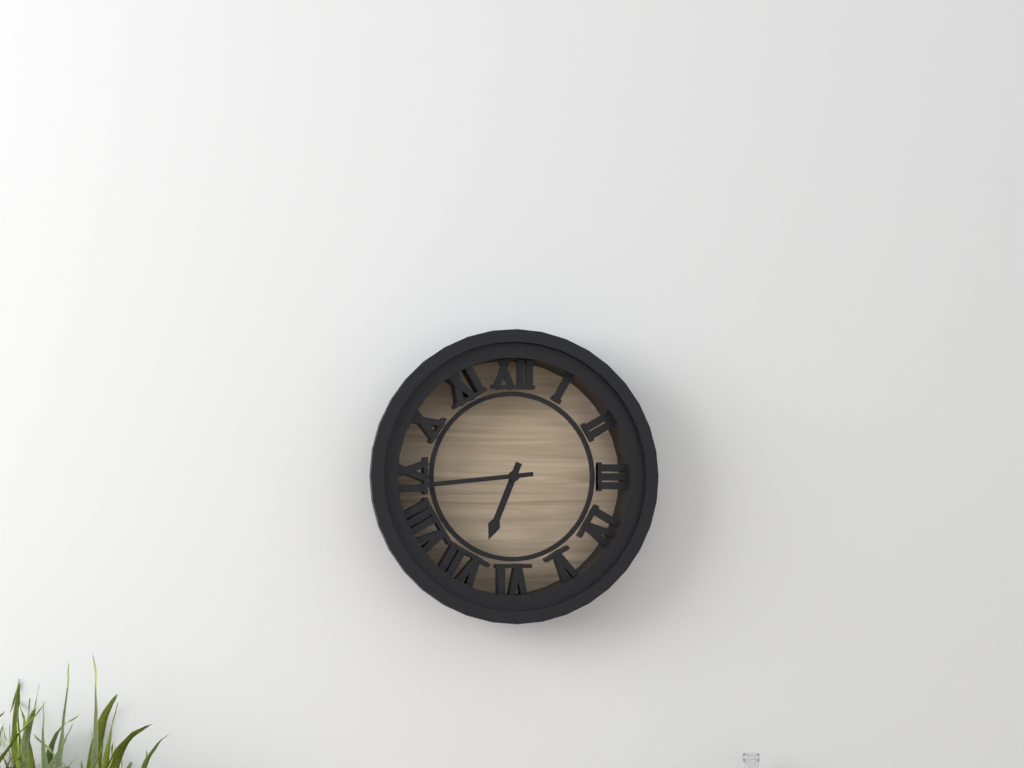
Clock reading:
6 h 44 min
